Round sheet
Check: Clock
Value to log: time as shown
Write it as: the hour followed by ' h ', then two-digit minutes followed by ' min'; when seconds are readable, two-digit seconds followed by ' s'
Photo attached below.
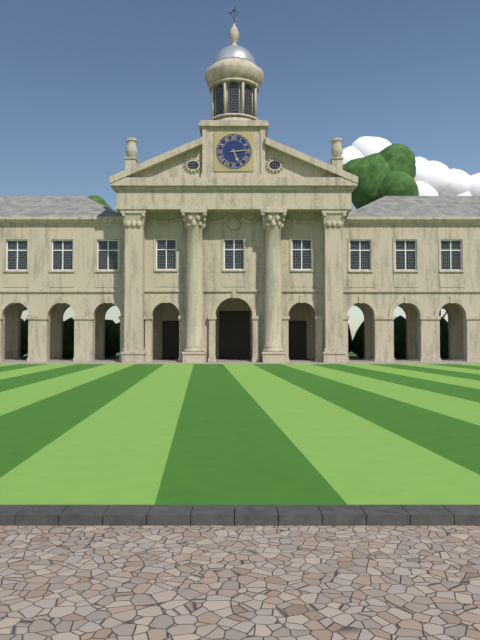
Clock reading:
5 h 14 min
